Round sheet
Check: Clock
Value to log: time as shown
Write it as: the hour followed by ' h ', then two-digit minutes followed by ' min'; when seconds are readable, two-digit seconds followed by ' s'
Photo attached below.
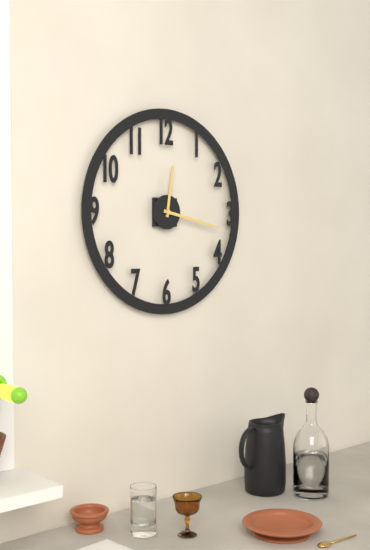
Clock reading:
12 h 17 min
